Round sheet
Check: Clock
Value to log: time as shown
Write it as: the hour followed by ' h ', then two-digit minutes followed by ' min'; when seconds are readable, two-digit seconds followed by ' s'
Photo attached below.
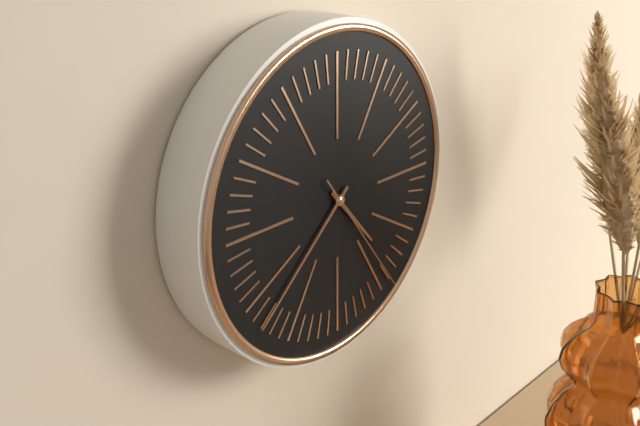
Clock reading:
4 h 38 min 24 s
